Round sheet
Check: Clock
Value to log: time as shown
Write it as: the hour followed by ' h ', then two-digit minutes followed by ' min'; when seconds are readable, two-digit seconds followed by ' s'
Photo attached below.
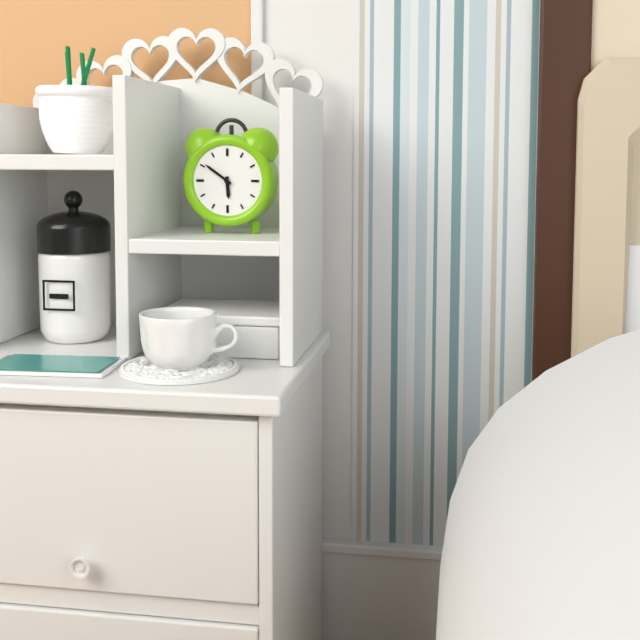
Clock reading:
5 h 51 min
